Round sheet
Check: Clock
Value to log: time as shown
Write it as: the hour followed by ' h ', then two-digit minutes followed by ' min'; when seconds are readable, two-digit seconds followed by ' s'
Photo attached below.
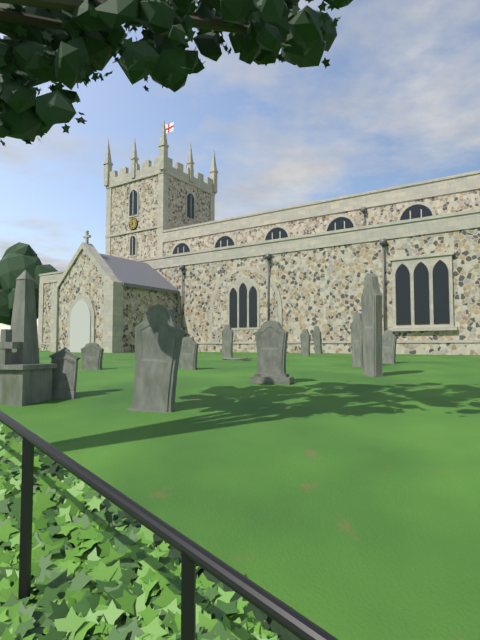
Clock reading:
11 h 41 min
